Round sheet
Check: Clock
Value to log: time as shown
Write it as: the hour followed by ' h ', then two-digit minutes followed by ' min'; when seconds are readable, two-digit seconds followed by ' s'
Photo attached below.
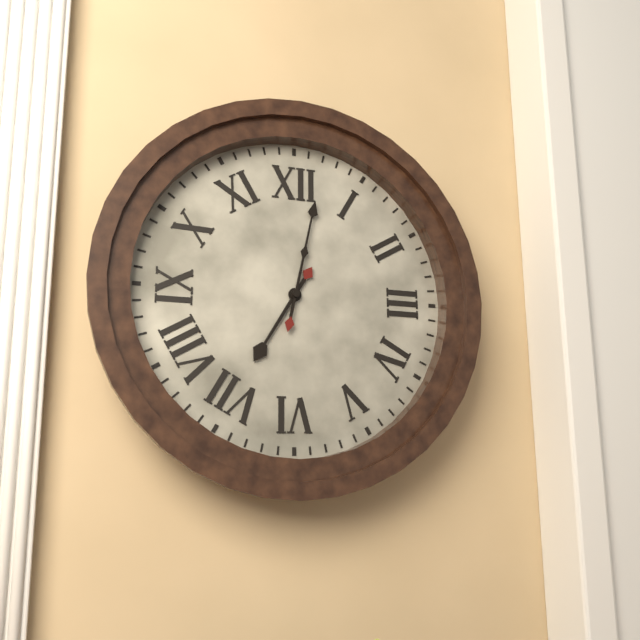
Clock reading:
7 h 02 min
